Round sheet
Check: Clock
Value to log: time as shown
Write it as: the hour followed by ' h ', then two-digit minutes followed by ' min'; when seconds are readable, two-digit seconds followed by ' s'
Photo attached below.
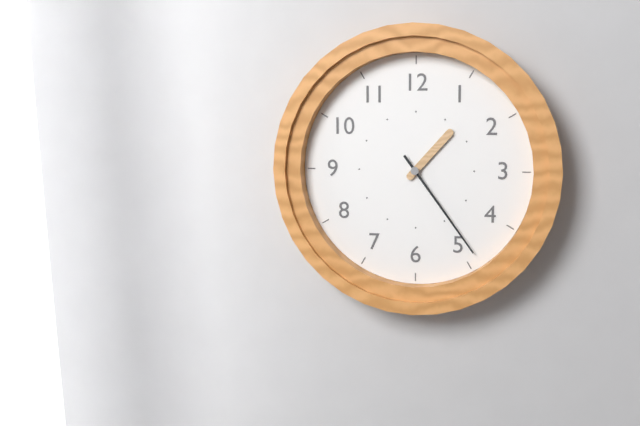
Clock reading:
1 h 24 min
